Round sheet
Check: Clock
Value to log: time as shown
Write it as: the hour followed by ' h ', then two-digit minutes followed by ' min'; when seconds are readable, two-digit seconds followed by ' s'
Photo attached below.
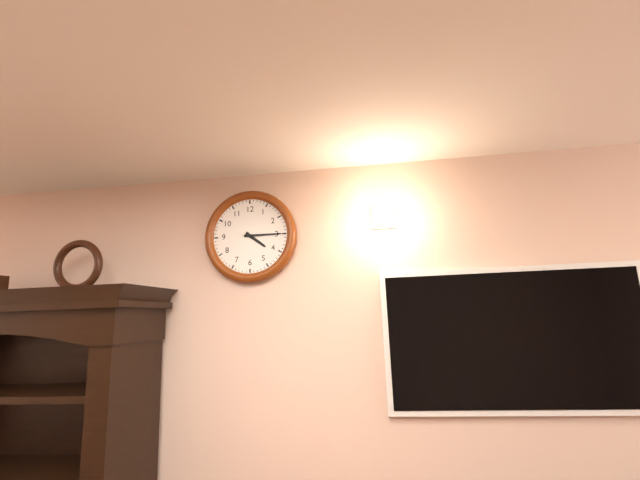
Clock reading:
4 h 15 min
